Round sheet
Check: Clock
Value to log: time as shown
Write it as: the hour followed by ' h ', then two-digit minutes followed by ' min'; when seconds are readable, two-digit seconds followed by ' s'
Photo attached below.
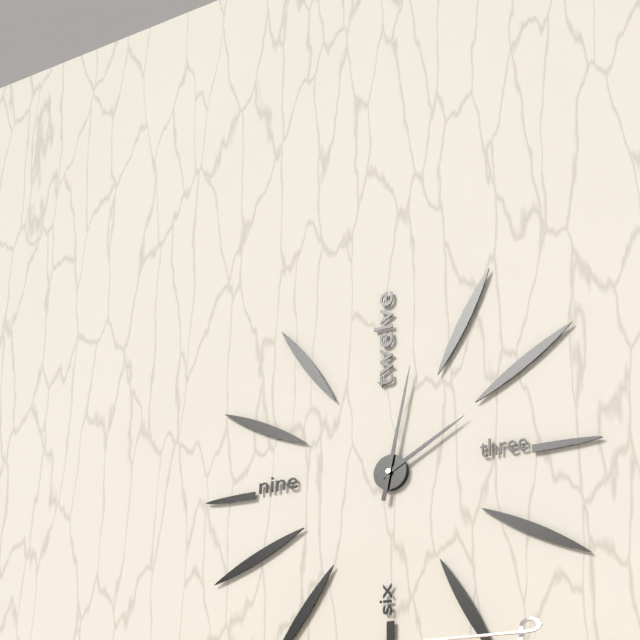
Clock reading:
2 h 02 min
